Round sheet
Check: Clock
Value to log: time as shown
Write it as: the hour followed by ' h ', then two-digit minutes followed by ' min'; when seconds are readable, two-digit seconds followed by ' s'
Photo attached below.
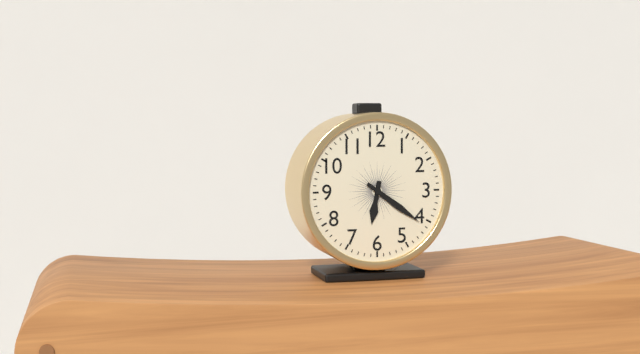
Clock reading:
6 h 21 min
